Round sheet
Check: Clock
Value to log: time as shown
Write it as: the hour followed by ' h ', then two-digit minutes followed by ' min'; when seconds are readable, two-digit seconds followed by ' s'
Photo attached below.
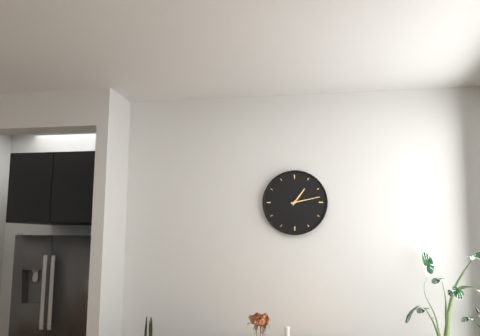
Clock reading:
1 h 13 min
